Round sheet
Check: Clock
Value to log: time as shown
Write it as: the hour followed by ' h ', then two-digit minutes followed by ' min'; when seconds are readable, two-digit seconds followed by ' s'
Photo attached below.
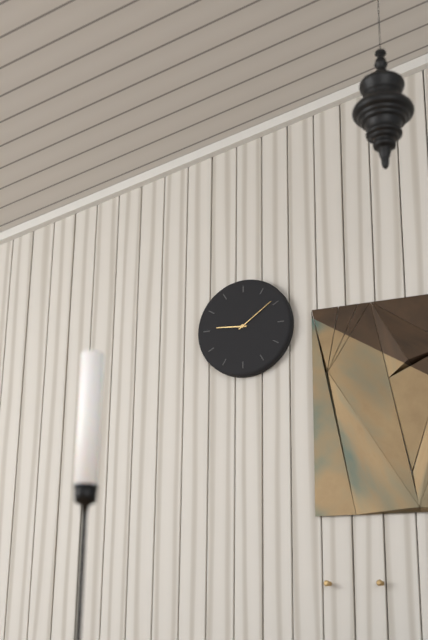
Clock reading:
9 h 09 min
